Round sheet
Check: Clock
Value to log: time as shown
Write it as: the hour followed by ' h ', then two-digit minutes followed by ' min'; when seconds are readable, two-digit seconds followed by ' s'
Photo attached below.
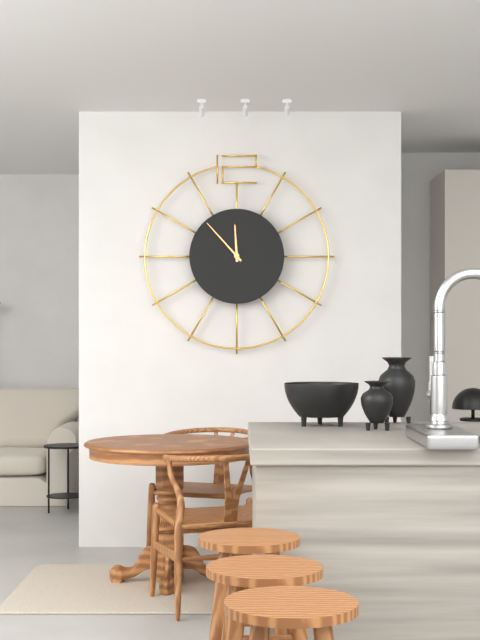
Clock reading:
11 h 53 min
